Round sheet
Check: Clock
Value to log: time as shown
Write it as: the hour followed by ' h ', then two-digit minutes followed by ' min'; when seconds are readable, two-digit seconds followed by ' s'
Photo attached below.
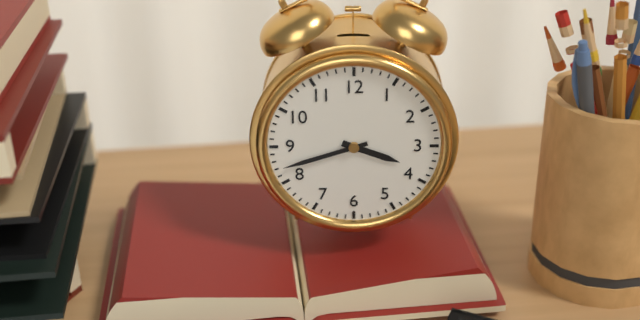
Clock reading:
3 h 42 min
